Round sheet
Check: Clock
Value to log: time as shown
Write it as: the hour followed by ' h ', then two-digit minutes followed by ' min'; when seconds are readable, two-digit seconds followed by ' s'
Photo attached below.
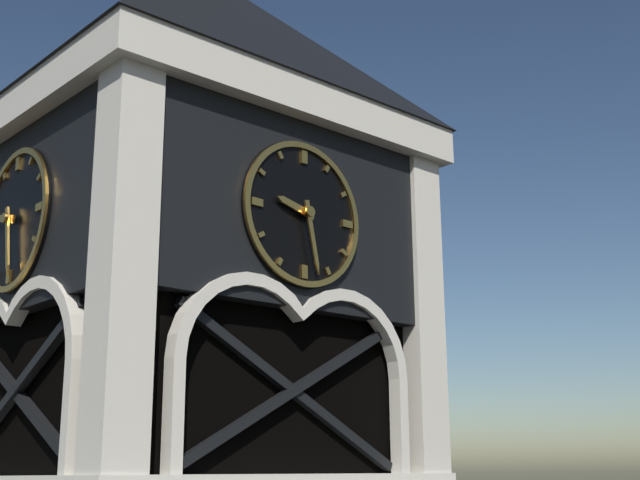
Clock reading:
9 h 28 min
